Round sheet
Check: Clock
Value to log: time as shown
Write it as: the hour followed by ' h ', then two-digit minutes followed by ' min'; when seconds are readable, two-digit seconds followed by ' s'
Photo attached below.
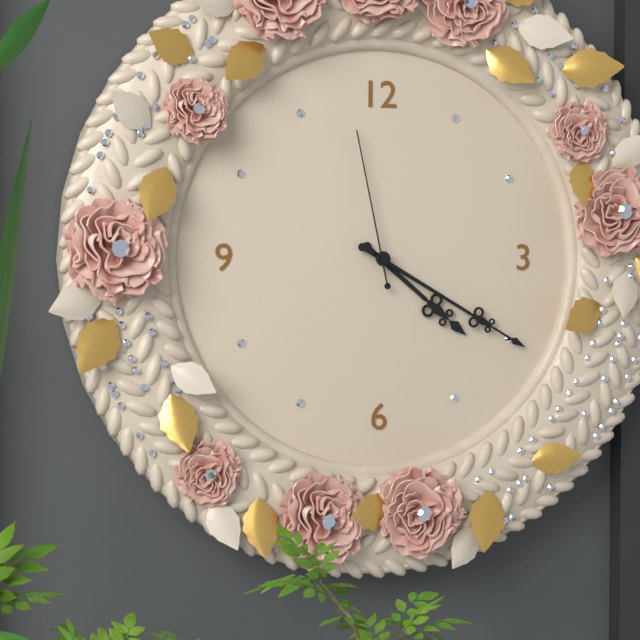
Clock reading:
4 h 20 min 58 s
